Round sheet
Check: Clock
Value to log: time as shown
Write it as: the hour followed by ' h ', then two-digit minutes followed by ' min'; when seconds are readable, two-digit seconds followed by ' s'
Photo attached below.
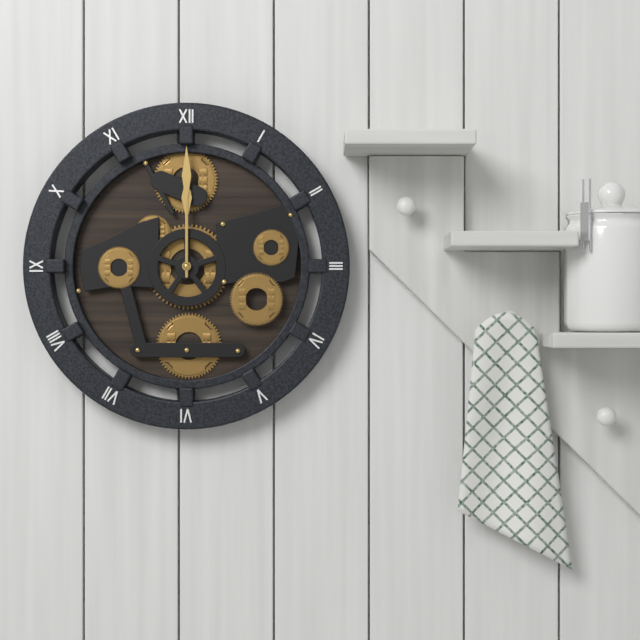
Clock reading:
12 h 00 min
